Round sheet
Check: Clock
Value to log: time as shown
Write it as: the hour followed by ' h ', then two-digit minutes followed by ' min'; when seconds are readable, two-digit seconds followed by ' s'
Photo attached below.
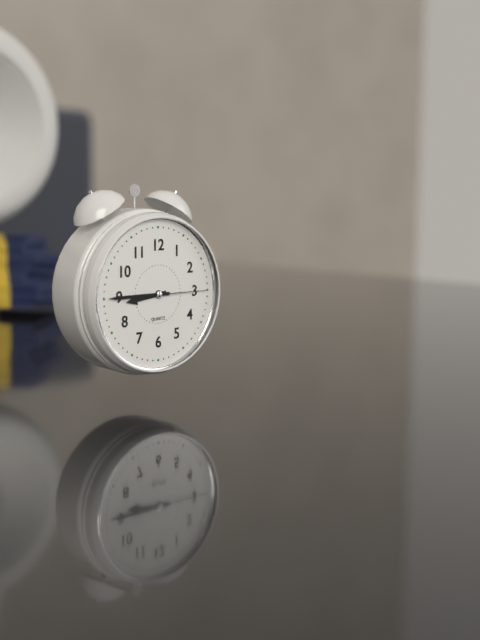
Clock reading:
8 h 45 min 15 s
